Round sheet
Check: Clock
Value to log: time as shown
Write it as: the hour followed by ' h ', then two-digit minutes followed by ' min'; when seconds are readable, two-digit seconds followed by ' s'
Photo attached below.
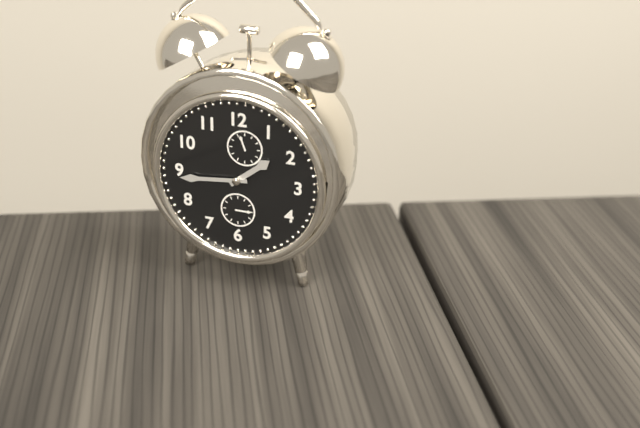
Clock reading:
1 h 44 min
